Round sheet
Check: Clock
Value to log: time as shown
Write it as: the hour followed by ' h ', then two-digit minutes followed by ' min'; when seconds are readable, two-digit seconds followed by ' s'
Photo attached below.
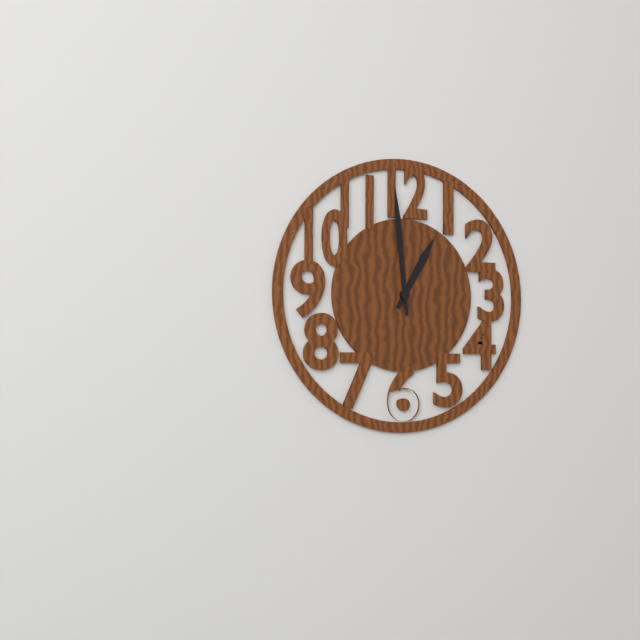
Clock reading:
12 h 59 min
